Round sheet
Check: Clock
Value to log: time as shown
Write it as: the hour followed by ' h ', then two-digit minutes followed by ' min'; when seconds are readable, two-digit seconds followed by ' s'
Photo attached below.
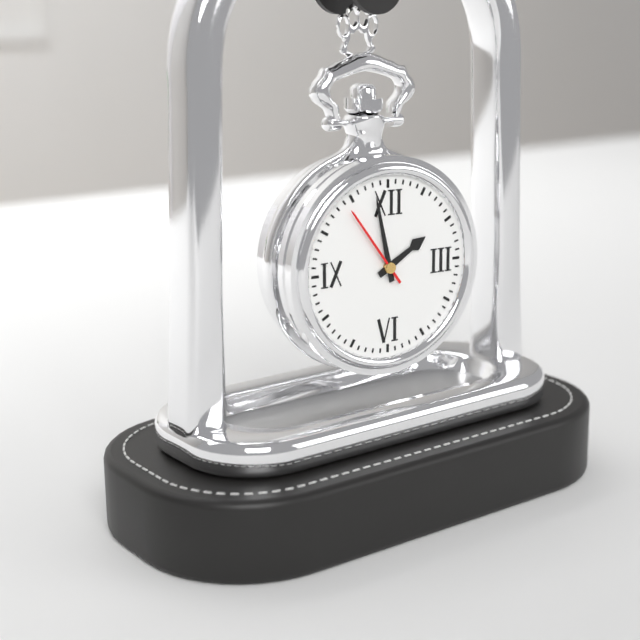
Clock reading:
1 h 58 min 54 s
